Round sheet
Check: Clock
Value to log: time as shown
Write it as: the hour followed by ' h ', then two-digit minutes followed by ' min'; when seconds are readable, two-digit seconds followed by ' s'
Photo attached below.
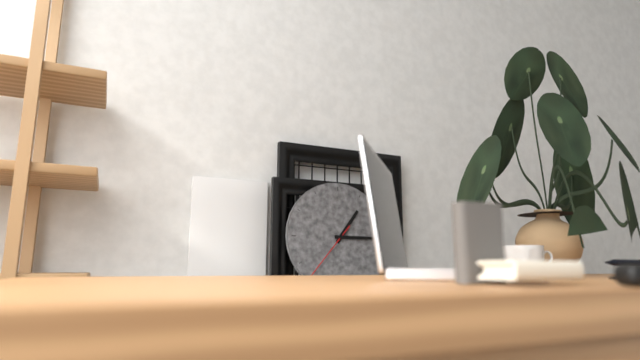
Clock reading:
1 h 15 min 37 s
